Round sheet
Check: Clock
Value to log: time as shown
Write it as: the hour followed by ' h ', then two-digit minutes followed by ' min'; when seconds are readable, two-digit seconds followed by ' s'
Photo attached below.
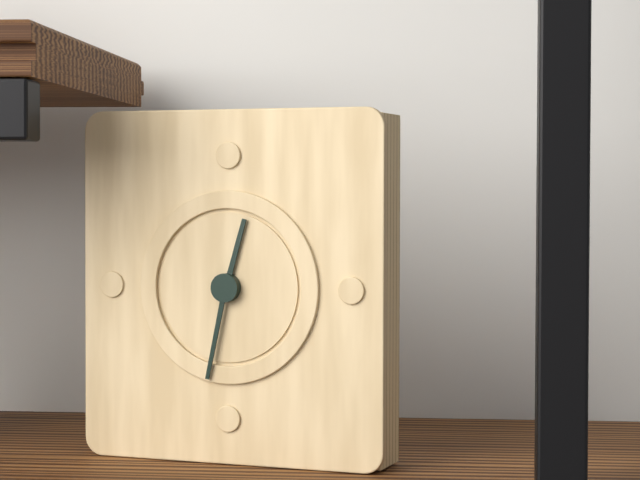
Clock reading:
12 h 32 min
